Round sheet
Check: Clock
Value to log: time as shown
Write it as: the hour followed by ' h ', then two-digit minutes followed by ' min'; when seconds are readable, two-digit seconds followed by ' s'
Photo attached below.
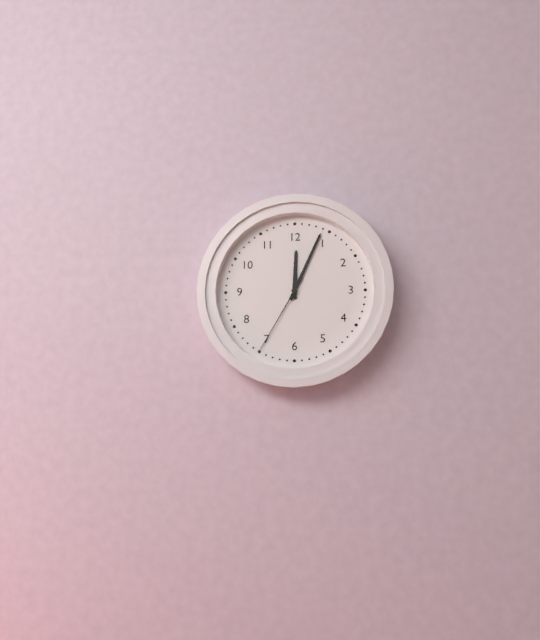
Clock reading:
12 h 04 min 35 s
